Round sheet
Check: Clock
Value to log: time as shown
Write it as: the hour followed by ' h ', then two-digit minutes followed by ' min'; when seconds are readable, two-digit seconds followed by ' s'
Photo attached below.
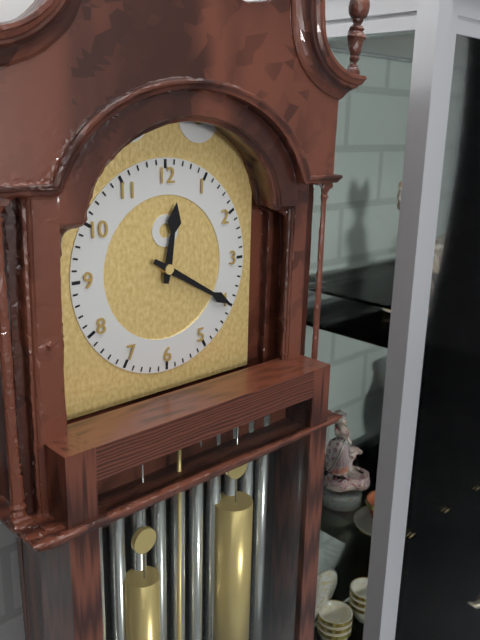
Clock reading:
12 h 20 min
